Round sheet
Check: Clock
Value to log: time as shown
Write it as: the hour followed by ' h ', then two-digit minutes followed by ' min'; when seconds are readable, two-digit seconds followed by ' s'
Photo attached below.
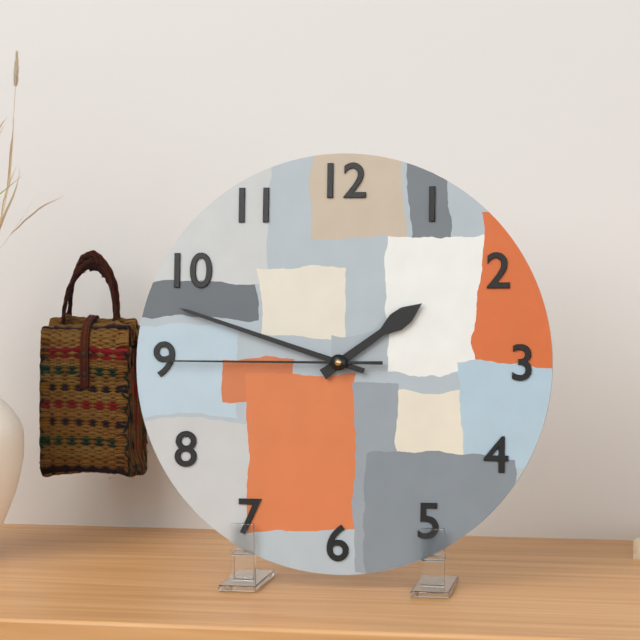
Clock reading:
1 h 48 min 45 s
